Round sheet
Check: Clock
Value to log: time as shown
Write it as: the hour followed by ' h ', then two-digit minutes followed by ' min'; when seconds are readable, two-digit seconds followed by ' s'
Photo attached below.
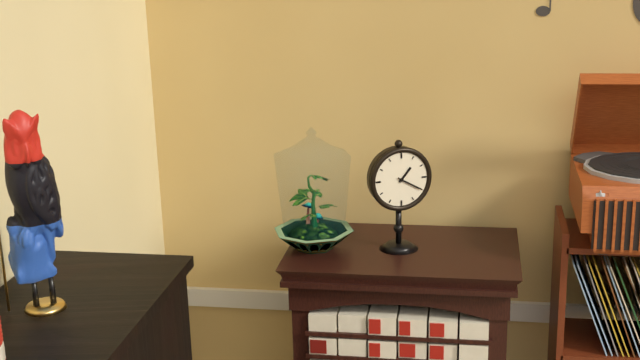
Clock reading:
1 h 20 min
